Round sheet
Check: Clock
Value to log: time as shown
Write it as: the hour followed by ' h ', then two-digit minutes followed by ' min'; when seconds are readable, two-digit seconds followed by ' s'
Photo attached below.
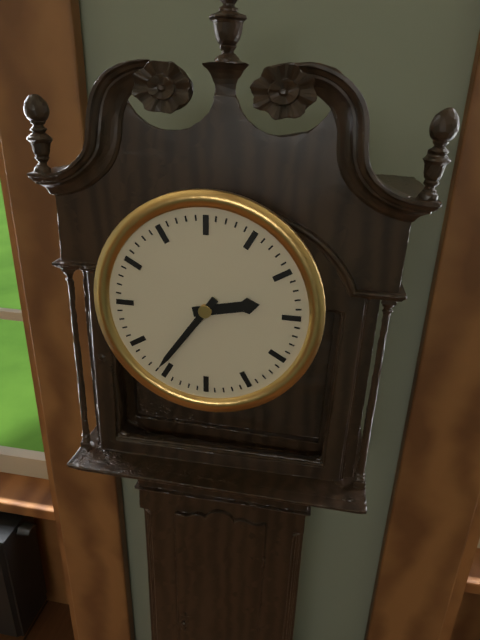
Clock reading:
2 h 36 min
